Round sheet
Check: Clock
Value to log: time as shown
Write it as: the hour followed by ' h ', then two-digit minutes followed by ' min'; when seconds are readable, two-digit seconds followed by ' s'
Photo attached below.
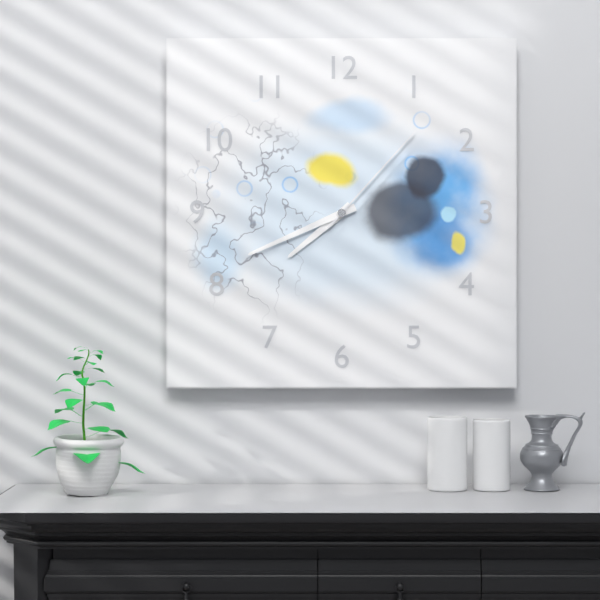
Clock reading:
7 h 41 min 07 s
